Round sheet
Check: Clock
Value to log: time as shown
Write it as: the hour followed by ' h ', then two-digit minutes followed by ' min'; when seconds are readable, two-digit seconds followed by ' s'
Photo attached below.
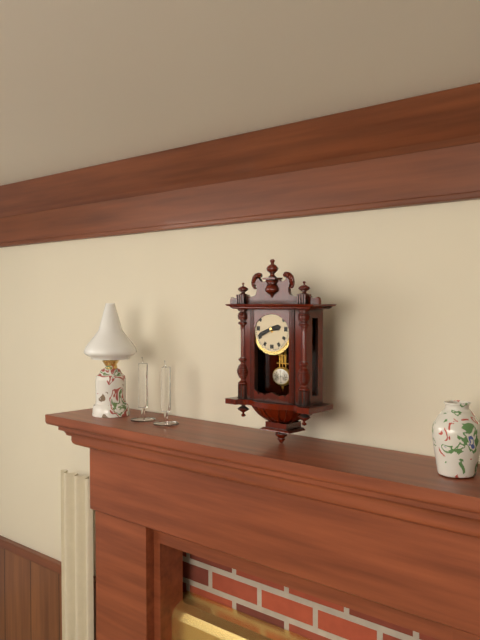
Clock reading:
2 h 41 min
